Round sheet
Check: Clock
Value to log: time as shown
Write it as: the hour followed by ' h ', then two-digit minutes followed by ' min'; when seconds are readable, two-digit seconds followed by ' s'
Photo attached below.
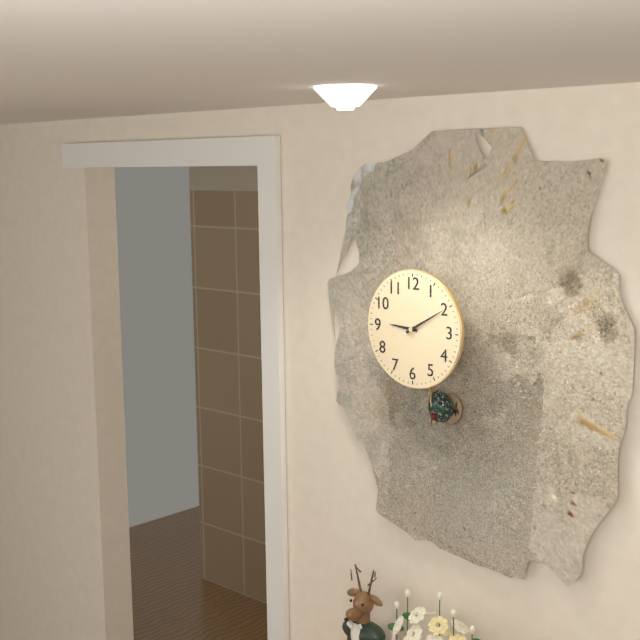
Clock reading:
9 h 10 min
